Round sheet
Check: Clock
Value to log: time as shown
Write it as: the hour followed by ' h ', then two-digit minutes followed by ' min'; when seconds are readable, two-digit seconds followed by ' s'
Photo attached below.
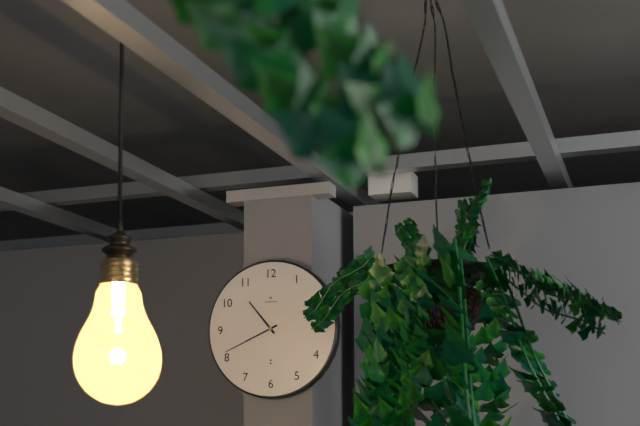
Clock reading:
10 h 41 min
